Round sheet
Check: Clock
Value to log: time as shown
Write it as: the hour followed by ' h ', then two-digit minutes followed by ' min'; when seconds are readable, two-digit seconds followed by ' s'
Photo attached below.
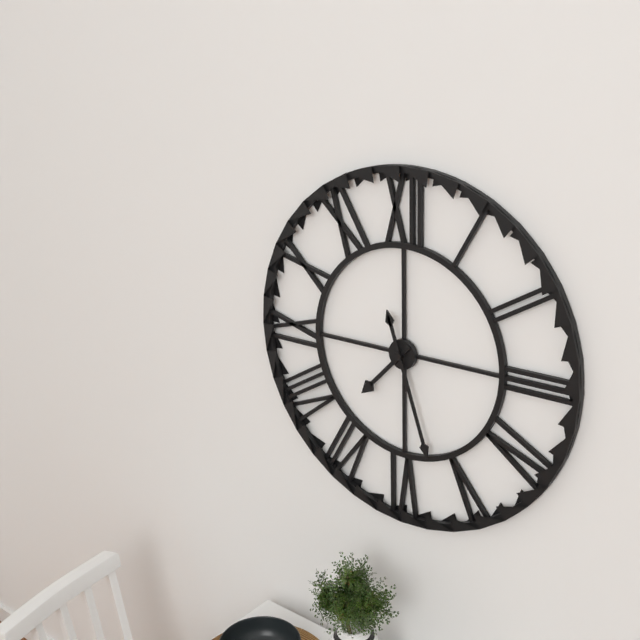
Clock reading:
7 h 27 min
